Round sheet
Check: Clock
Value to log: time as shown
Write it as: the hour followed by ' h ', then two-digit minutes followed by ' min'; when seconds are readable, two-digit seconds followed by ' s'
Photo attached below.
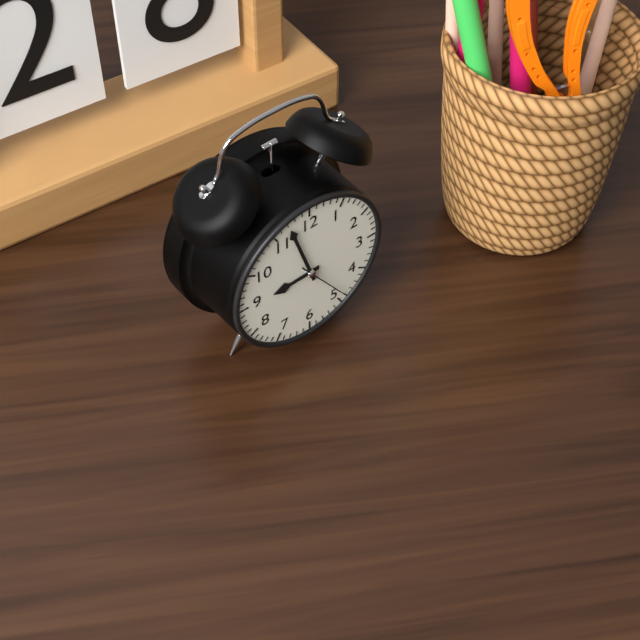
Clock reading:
8 h 57 min 24 s
